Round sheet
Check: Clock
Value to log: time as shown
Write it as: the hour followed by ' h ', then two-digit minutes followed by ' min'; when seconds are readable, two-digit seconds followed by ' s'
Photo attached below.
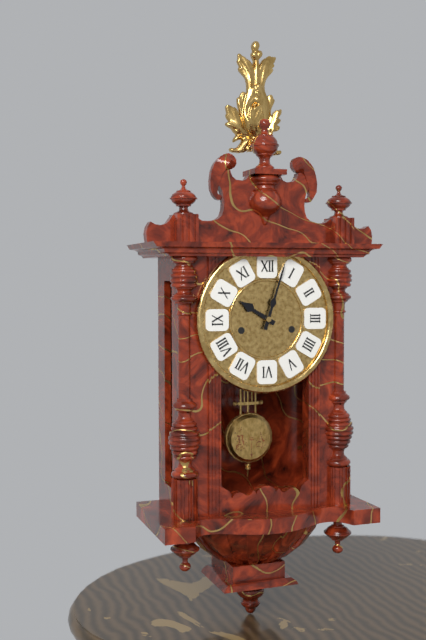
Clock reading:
10 h 03 min
